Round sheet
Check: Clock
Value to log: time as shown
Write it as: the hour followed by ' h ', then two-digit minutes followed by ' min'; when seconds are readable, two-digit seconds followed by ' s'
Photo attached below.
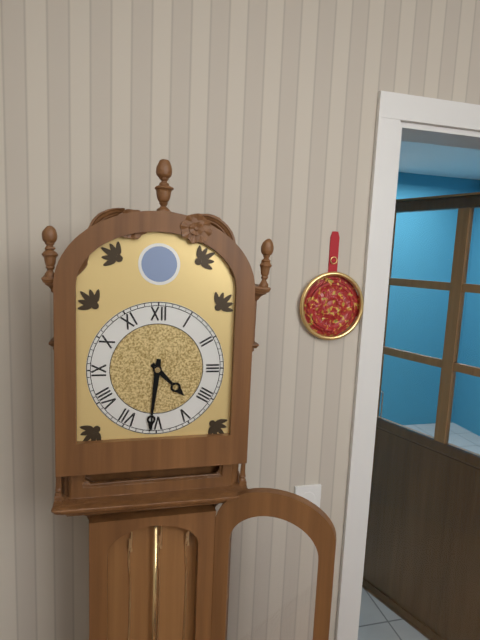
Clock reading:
4 h 31 min
